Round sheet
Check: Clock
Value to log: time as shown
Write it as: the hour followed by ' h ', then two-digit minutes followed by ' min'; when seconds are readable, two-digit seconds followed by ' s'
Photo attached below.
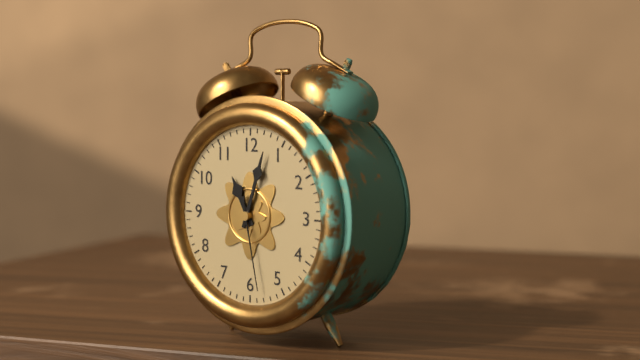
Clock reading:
11 h 03 min 28 s
